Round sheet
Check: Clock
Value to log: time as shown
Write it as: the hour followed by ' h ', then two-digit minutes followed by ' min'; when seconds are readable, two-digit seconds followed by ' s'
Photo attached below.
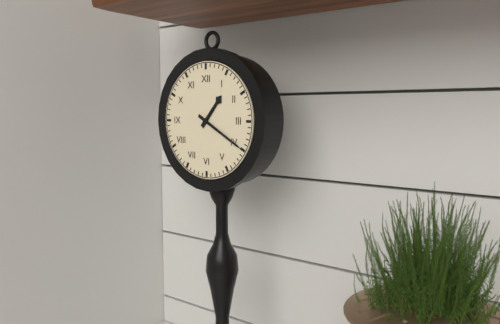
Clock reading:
1 h 20 min
